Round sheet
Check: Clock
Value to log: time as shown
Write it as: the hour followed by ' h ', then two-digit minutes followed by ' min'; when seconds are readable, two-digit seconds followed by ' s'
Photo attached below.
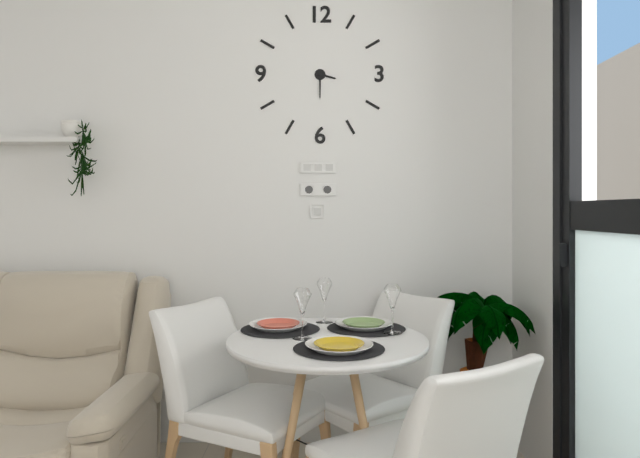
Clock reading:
3 h 30 min
